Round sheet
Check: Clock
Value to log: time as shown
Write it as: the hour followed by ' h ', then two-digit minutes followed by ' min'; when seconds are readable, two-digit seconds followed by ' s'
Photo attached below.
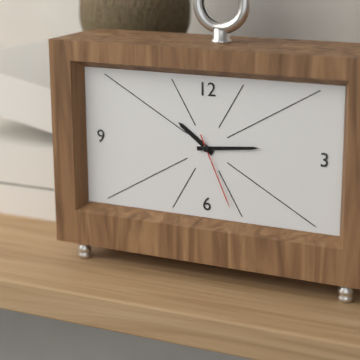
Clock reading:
10 h 14 min 26 s
